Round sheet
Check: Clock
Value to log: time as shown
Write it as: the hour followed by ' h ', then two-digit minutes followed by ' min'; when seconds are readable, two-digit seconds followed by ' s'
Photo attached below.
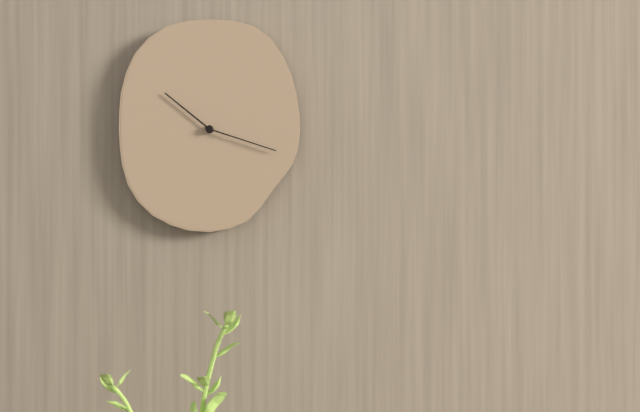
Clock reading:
10 h 18 min
